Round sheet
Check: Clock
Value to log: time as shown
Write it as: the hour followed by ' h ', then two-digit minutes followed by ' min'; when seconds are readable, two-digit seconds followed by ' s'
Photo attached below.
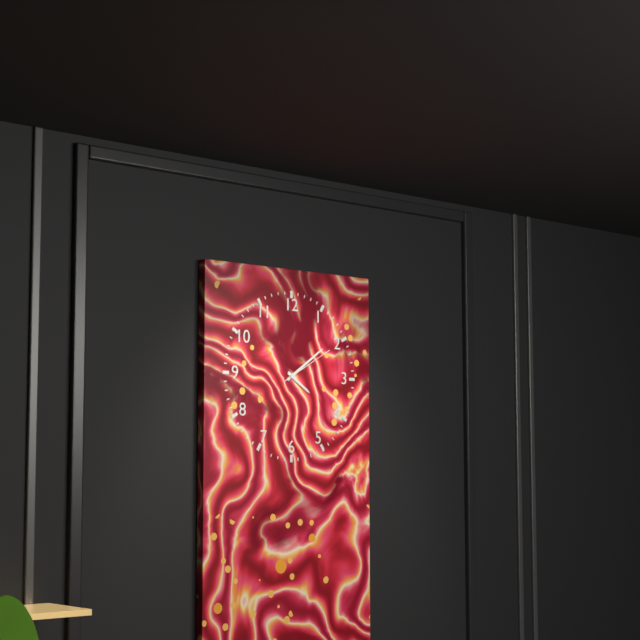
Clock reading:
4 h 09 min 10 s
